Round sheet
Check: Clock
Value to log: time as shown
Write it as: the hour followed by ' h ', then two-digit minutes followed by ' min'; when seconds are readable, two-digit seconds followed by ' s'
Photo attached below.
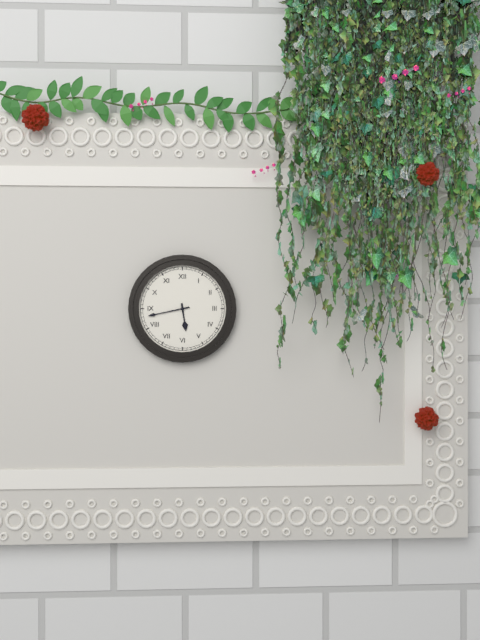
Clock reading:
5 h 43 min
